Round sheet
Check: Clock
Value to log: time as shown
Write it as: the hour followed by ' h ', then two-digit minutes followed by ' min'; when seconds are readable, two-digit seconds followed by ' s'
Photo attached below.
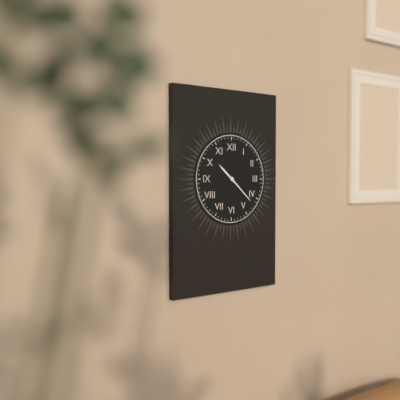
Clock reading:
10 h 22 min
